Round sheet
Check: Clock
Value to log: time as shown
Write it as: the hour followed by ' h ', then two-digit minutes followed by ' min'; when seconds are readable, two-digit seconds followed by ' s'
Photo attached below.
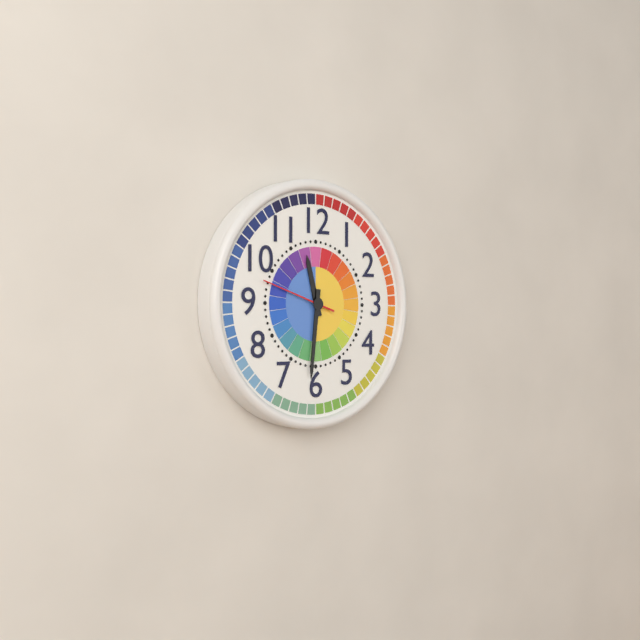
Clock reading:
11 h 31 min 48 s
